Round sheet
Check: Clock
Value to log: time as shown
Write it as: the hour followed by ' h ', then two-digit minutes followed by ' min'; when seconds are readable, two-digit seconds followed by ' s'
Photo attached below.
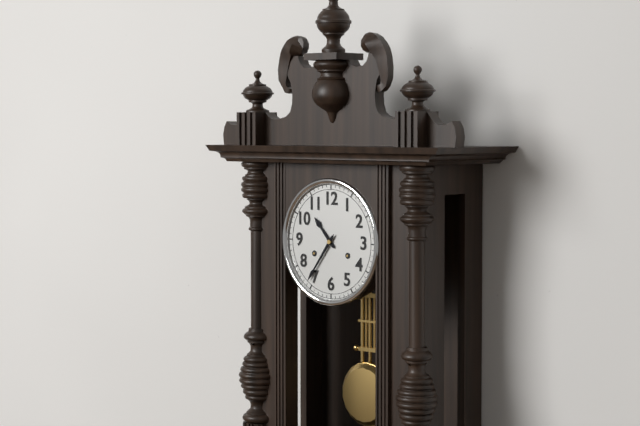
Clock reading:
10 h 36 min
